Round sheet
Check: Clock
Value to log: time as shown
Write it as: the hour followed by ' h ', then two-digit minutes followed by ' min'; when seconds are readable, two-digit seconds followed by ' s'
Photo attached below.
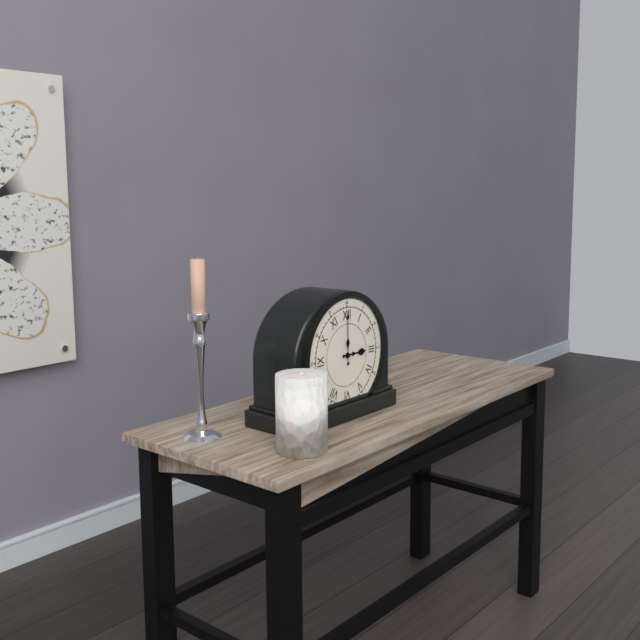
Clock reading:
3 h 00 min
